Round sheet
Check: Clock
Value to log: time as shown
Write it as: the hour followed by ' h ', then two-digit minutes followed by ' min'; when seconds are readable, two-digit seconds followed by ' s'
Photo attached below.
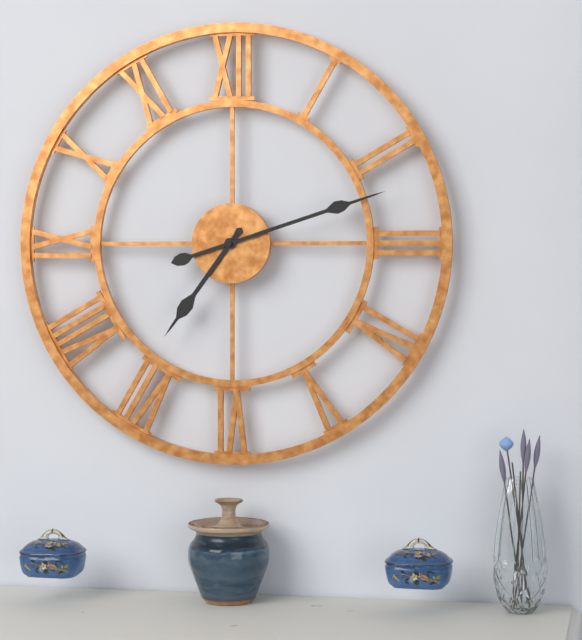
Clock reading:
7 h 12 min
